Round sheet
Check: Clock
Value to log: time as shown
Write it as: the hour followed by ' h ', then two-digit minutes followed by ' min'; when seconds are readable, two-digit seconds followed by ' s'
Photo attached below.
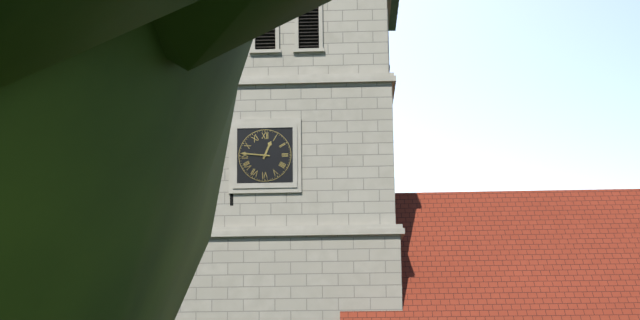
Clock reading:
12 h 46 min
